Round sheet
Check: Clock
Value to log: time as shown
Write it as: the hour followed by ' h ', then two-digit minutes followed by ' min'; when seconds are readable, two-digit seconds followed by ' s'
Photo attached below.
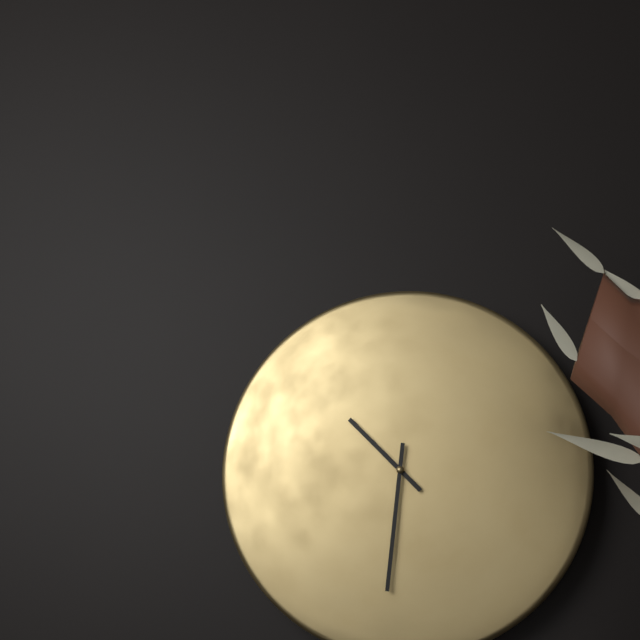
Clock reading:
10 h 31 min
